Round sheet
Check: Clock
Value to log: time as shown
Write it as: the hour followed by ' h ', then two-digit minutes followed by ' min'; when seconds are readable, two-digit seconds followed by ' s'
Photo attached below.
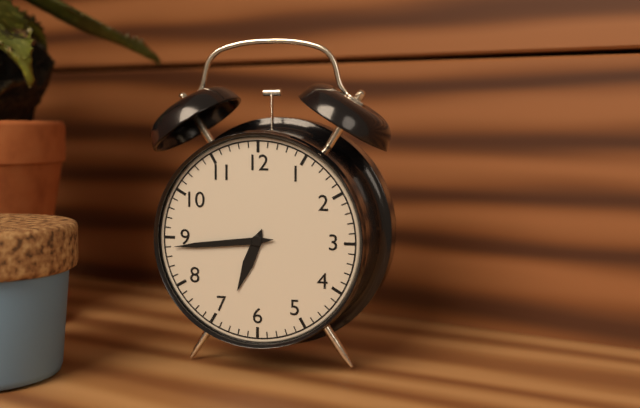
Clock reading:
6 h 44 min
